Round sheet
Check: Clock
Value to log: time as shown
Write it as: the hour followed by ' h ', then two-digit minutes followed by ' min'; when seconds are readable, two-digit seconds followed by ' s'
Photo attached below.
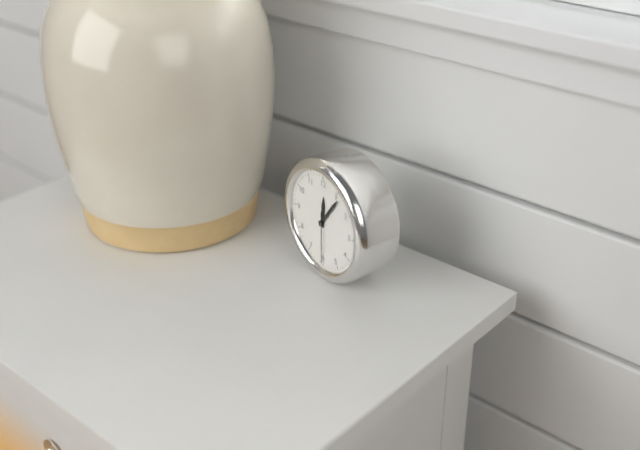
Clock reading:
12 h 06 min 30 s
